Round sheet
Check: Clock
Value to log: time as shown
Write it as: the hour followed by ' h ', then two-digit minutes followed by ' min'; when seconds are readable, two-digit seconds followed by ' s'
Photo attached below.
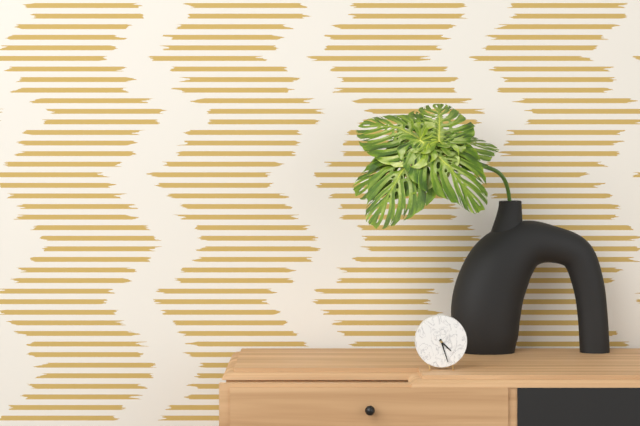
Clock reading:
4 h 27 min
